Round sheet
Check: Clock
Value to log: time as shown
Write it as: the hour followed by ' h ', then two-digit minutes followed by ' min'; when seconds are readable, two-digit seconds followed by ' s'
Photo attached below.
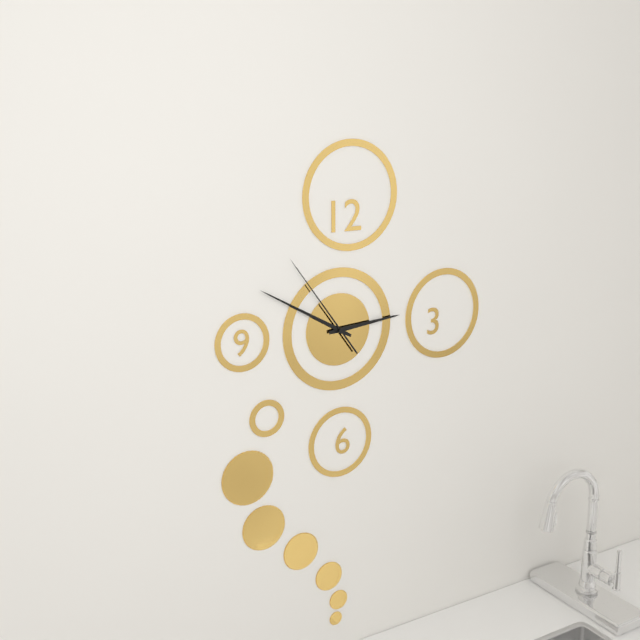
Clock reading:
2 h 50 min 54 s
